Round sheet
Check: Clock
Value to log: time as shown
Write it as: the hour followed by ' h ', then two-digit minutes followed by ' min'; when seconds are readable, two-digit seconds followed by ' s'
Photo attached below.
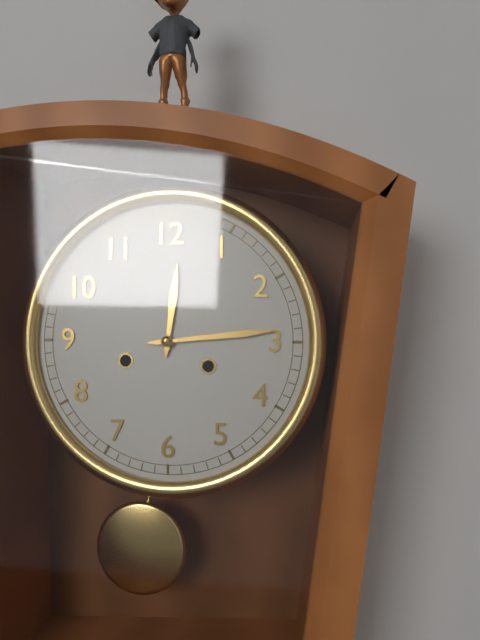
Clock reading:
12 h 14 min
